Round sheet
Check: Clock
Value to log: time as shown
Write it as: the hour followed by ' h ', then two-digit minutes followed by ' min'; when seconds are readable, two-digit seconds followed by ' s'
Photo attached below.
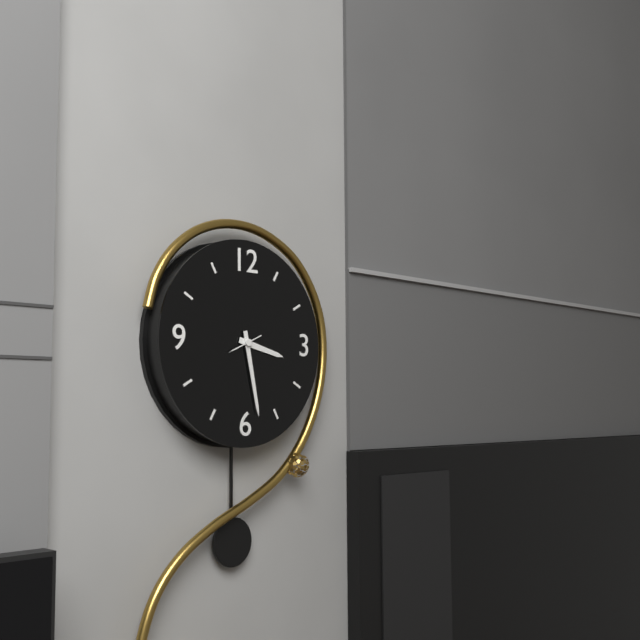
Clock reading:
3 h 28 min
